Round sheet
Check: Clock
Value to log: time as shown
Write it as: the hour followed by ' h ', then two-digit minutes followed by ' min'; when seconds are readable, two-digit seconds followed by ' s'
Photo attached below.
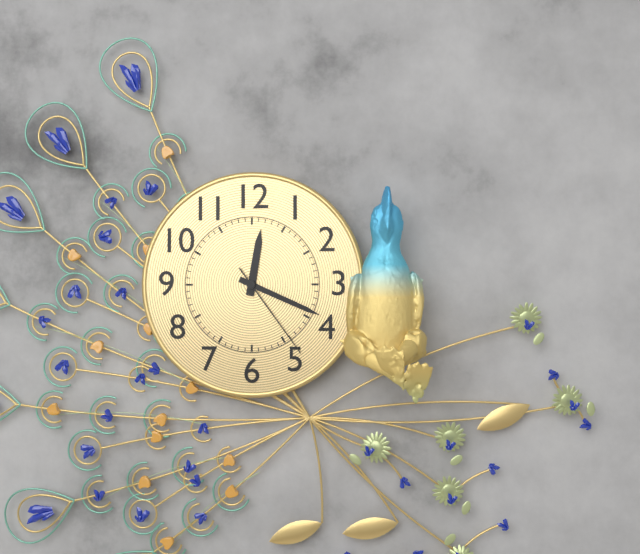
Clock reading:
12 h 19 min 24 s
